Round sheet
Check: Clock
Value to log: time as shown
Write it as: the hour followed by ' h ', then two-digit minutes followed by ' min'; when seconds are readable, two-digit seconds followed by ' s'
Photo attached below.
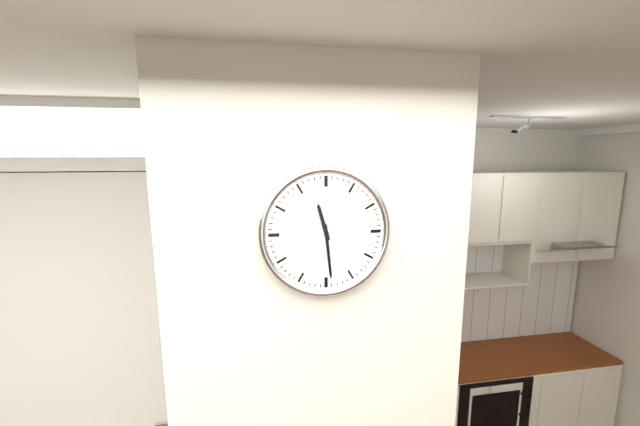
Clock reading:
11 h 29 min
